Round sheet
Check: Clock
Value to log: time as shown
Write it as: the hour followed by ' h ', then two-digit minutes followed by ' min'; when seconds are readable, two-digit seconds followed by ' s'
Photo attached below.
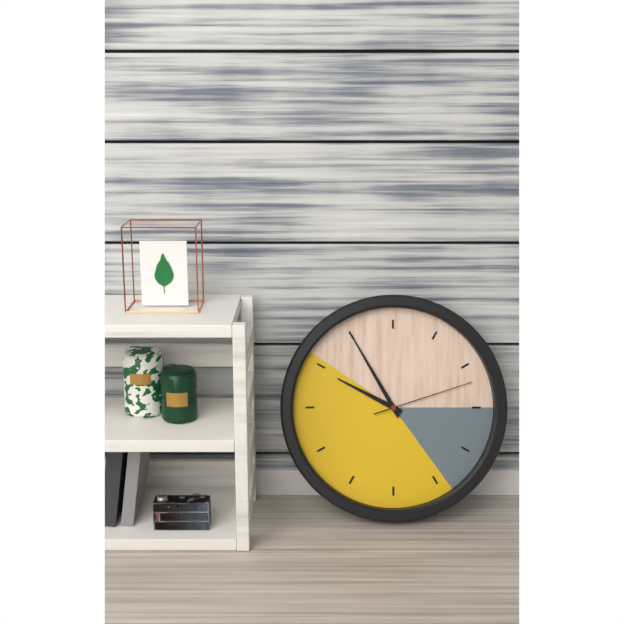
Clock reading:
9 h 55 min 12 s
